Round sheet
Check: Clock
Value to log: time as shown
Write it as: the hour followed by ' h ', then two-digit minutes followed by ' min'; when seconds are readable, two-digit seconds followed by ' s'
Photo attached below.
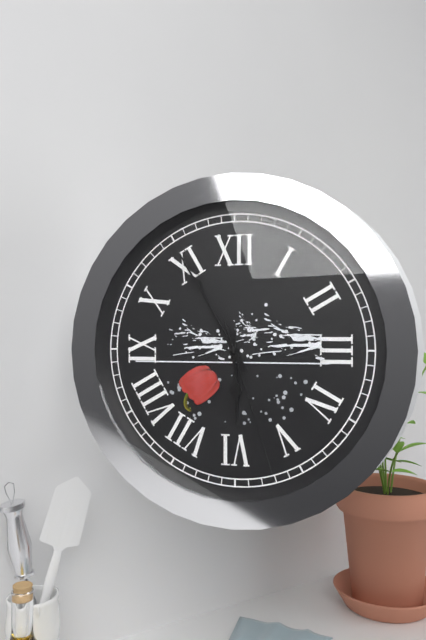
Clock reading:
5 h 55 min 27 s
